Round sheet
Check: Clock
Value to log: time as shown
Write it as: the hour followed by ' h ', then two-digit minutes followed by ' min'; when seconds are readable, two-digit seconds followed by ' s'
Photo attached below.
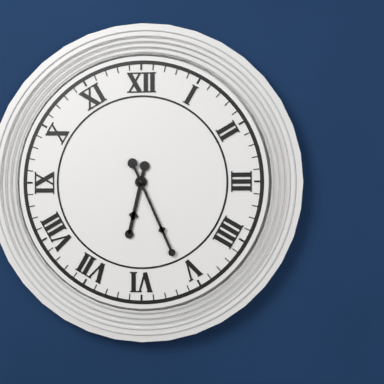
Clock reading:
6 h 26 min
